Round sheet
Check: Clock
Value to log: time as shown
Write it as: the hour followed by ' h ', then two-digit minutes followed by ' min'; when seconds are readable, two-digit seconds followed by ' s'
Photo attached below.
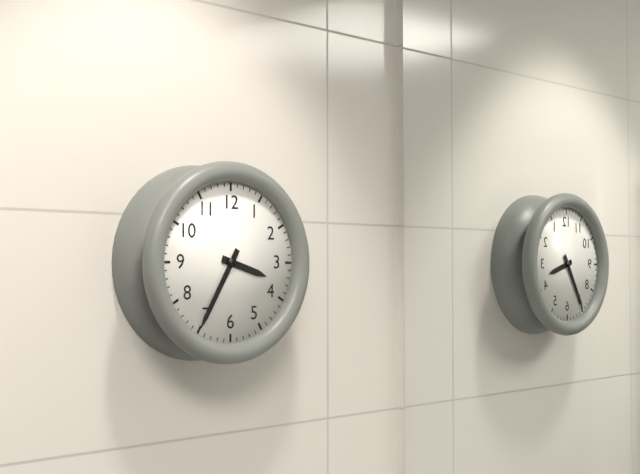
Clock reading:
3 h 35 min
